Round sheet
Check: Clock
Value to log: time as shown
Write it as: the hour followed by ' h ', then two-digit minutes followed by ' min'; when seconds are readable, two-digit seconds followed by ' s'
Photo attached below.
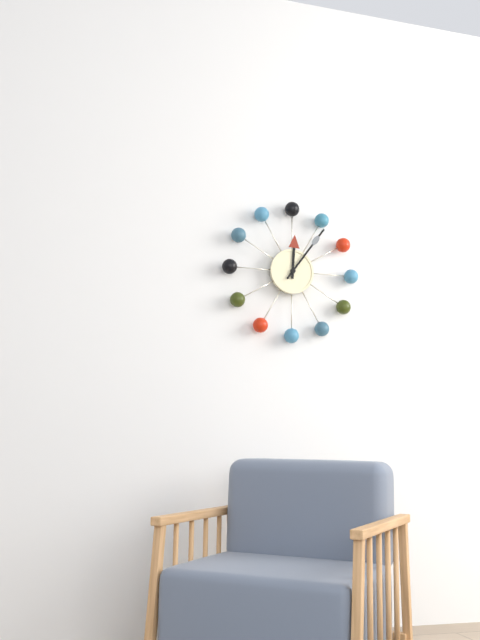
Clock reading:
12 h 06 min
